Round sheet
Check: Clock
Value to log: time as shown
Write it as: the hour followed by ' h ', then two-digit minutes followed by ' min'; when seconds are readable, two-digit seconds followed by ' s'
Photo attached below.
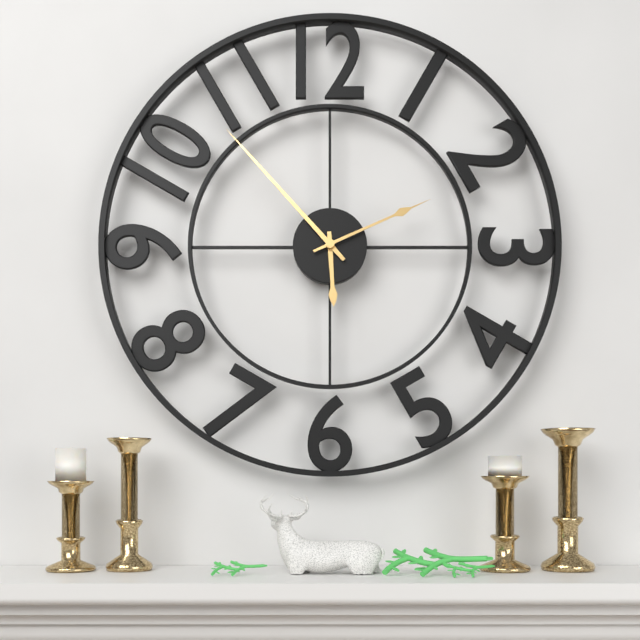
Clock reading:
5 h 53 min 11 s
